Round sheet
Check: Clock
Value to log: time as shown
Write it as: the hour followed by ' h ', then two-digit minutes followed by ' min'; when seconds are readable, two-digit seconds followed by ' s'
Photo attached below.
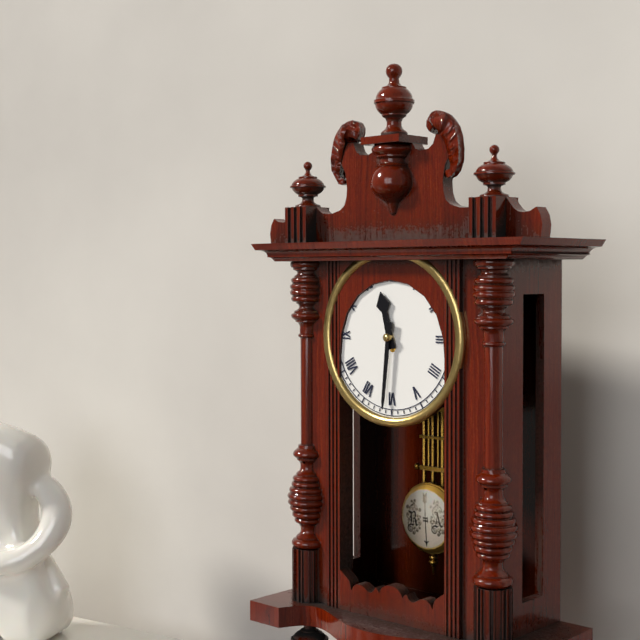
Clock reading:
11 h 31 min
